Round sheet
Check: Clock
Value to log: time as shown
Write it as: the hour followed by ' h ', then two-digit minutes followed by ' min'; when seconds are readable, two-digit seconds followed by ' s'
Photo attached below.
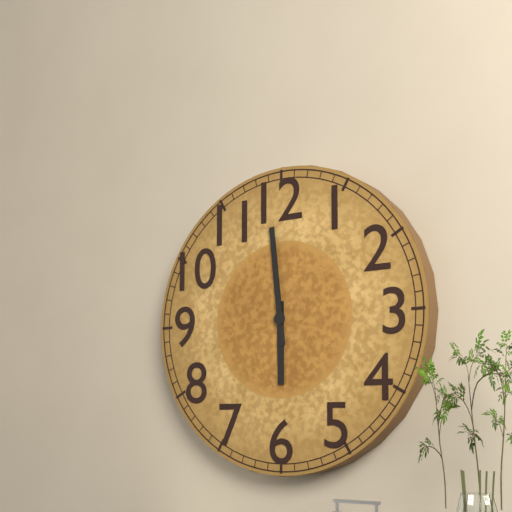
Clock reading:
5 h 59 min
